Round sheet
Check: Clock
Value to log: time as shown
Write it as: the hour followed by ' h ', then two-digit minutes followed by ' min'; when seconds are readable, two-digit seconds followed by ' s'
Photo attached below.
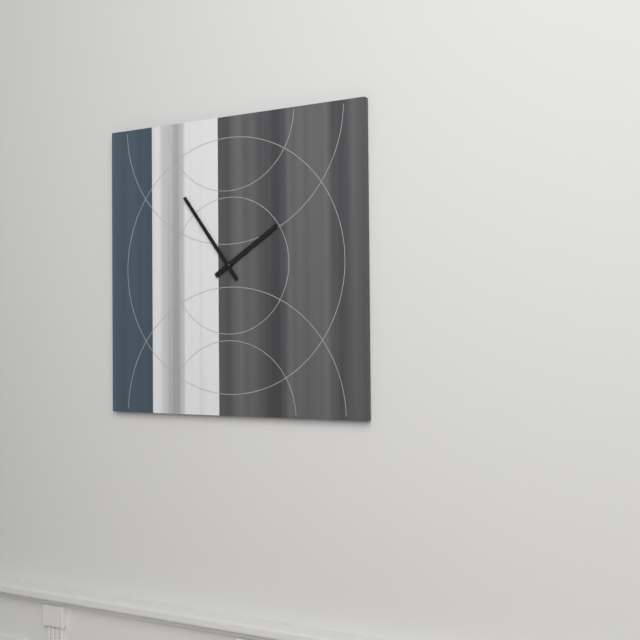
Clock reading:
1 h 54 min
